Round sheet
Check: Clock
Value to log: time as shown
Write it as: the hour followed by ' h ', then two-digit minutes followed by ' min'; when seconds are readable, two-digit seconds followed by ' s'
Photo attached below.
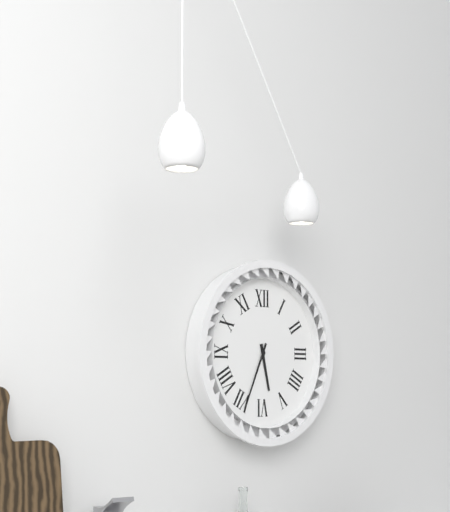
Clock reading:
5 h 34 min
